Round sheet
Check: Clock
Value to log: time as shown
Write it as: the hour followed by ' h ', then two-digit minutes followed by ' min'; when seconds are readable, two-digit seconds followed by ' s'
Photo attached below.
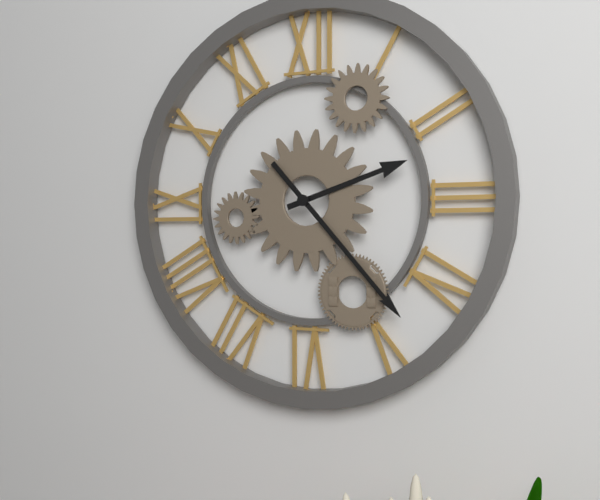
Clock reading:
2 h 23 min
